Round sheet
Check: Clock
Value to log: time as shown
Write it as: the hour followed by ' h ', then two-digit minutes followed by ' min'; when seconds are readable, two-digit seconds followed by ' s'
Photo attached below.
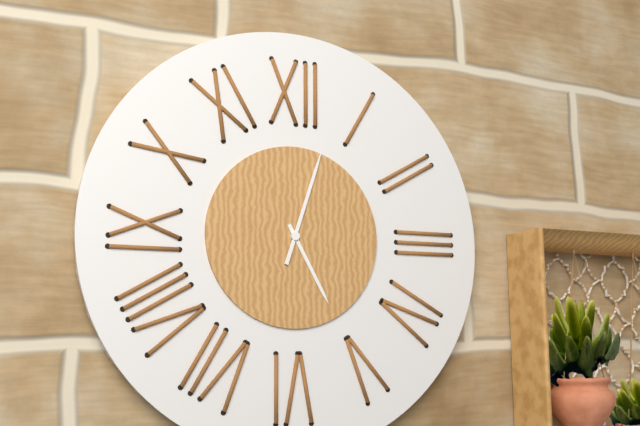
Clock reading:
5 h 03 min
